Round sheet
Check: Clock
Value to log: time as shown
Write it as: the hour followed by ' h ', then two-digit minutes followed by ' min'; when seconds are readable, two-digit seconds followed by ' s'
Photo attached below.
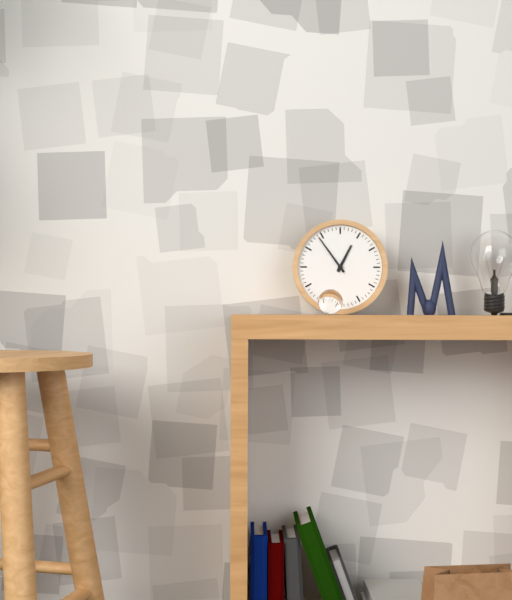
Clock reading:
12 h 54 min
